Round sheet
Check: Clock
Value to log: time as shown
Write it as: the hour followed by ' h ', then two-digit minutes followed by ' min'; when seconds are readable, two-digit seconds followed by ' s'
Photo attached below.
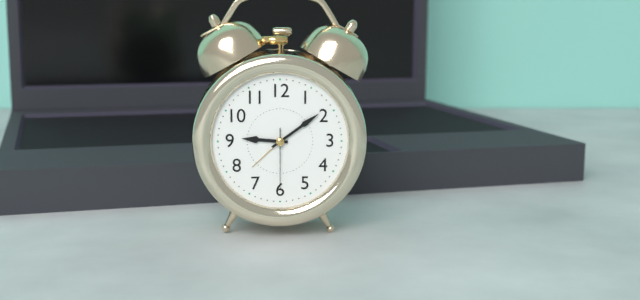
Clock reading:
9 h 09 min 30 s
